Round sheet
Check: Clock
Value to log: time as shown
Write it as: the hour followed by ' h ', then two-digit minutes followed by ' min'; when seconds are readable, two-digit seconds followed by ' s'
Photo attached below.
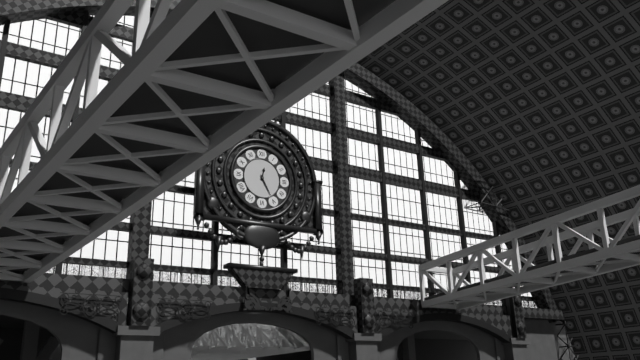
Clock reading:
12 h 25 min
